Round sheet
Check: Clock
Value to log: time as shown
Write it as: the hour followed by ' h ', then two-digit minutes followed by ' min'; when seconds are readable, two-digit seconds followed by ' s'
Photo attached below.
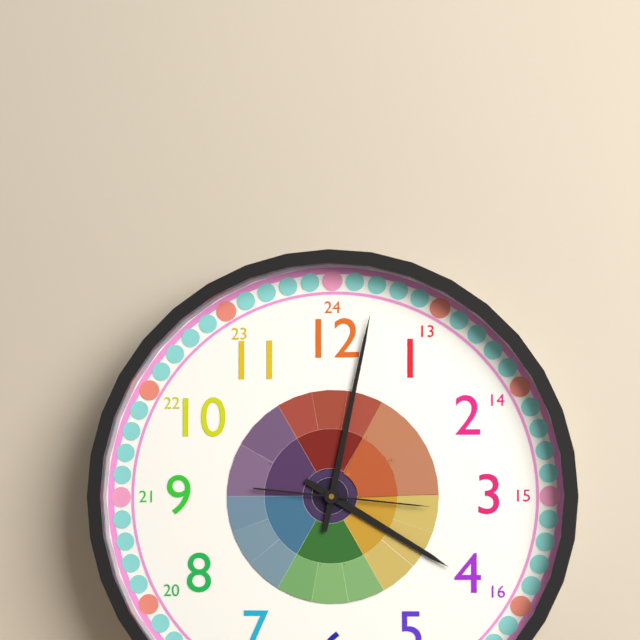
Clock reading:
4 h 02 min 16 s
